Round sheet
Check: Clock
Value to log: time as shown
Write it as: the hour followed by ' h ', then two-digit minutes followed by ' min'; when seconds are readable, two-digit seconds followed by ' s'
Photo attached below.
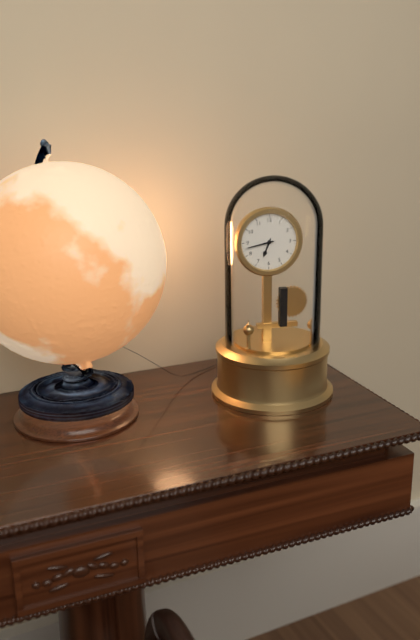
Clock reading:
6 h 43 min
